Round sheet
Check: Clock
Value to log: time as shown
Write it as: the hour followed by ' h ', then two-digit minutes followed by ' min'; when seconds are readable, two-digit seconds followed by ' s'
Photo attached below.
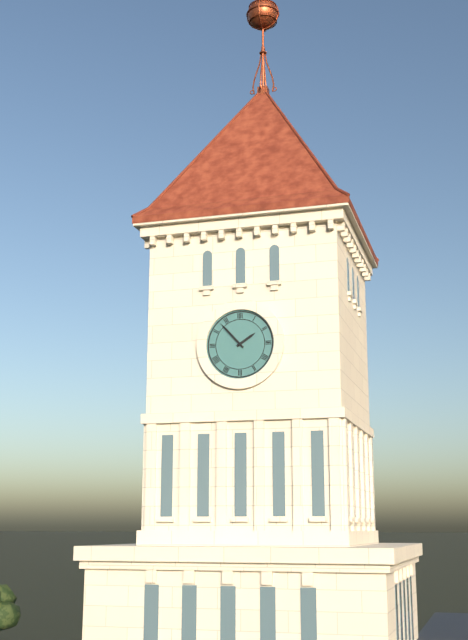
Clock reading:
1 h 53 min
